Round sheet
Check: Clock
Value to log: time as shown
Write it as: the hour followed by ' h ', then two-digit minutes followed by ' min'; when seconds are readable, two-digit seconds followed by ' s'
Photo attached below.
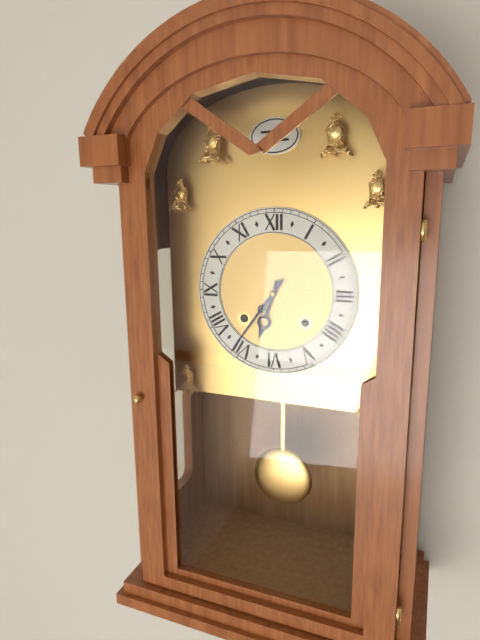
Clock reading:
6 h 36 min
